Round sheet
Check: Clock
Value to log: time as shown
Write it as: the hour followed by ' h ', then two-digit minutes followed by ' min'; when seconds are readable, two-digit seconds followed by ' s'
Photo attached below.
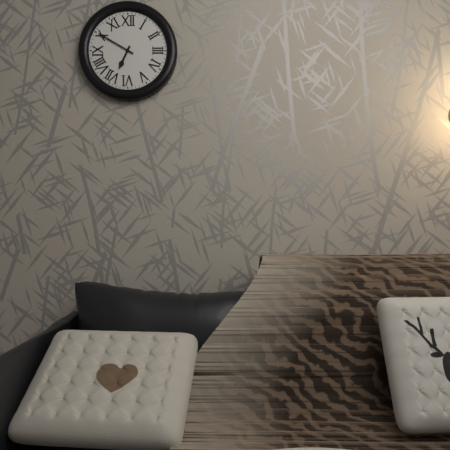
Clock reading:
6 h 50 min
